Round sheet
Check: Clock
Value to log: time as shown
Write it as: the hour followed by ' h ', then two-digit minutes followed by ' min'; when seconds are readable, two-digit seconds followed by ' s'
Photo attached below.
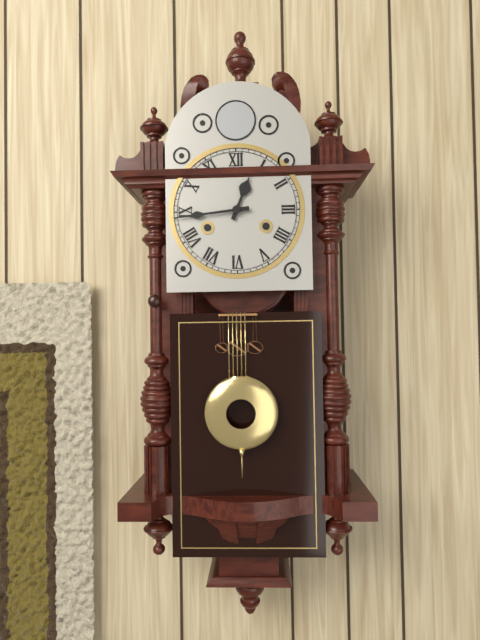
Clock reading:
12 h 44 min
